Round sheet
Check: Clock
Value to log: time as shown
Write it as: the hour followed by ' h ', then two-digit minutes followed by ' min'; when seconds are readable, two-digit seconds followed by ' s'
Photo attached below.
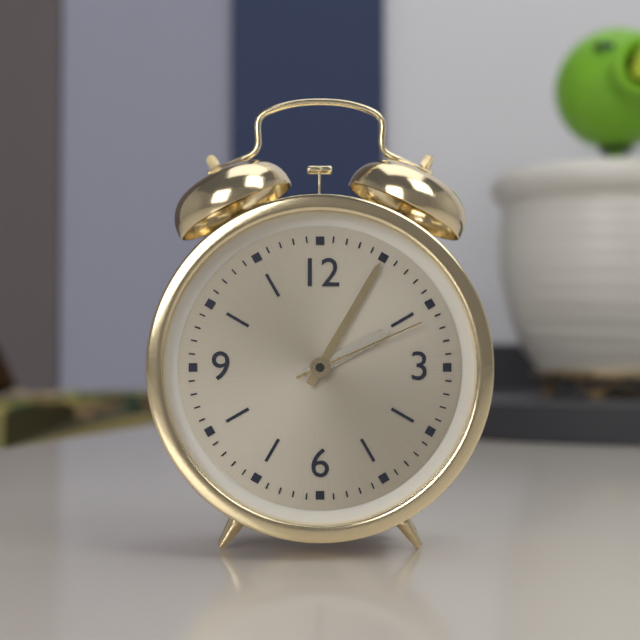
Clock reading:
2 h 05 min 11 s
